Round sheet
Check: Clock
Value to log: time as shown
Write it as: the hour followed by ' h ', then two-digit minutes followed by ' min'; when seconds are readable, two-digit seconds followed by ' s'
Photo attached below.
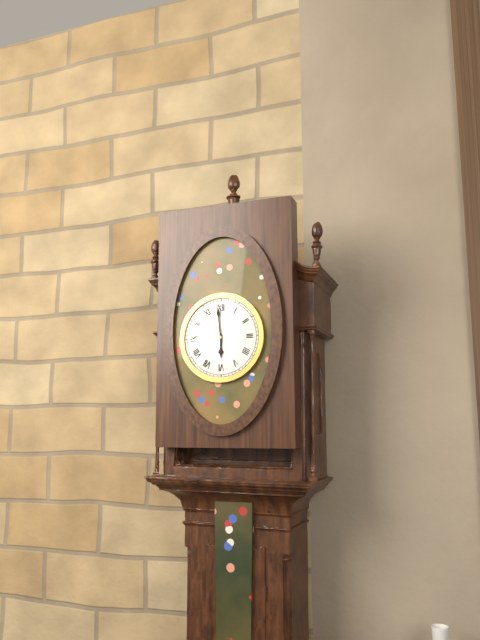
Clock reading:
5 h 59 min
